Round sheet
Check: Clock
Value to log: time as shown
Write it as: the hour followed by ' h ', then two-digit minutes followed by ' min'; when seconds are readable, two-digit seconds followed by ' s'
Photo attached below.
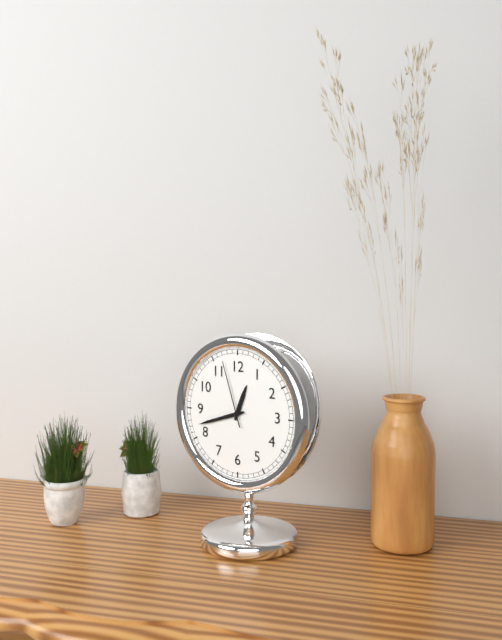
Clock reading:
12 h 42 min 57 s
